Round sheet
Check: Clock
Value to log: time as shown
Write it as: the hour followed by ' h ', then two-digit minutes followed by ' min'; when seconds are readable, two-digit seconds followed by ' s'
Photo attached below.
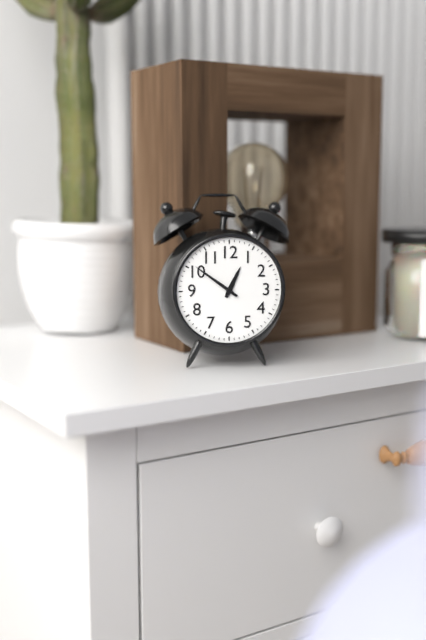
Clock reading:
12 h 51 min
